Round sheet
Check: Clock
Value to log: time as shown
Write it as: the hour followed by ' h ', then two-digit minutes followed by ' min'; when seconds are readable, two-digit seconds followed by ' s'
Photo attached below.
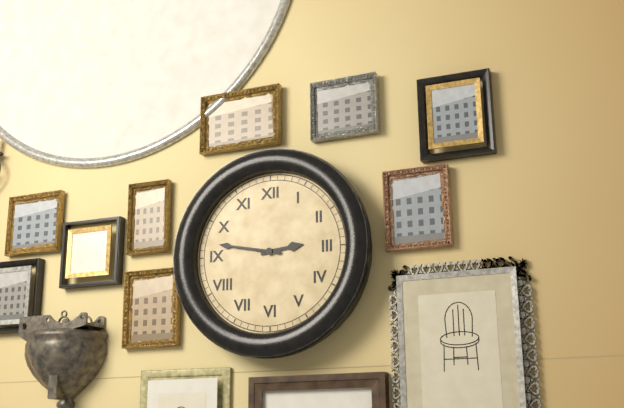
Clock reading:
2 h 47 min
